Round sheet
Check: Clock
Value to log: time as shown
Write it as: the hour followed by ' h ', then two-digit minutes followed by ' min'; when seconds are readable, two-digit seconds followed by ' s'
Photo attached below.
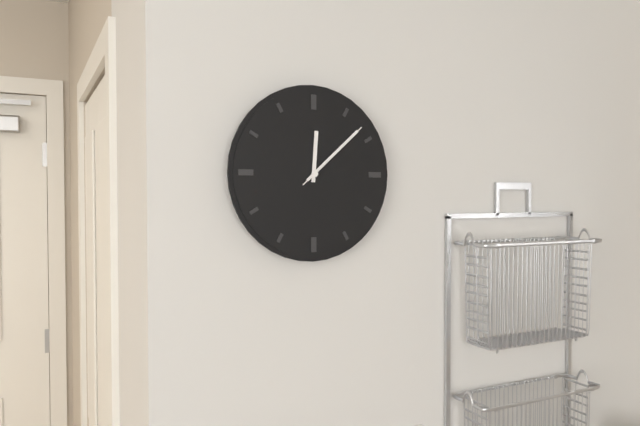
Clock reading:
12 h 08 min 08 s
